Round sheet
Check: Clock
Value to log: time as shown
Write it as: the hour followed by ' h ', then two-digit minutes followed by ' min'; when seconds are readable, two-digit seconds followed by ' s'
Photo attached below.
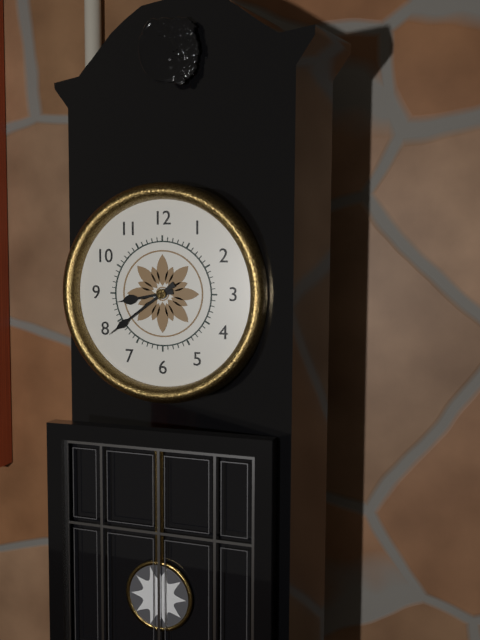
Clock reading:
8 h 39 min
